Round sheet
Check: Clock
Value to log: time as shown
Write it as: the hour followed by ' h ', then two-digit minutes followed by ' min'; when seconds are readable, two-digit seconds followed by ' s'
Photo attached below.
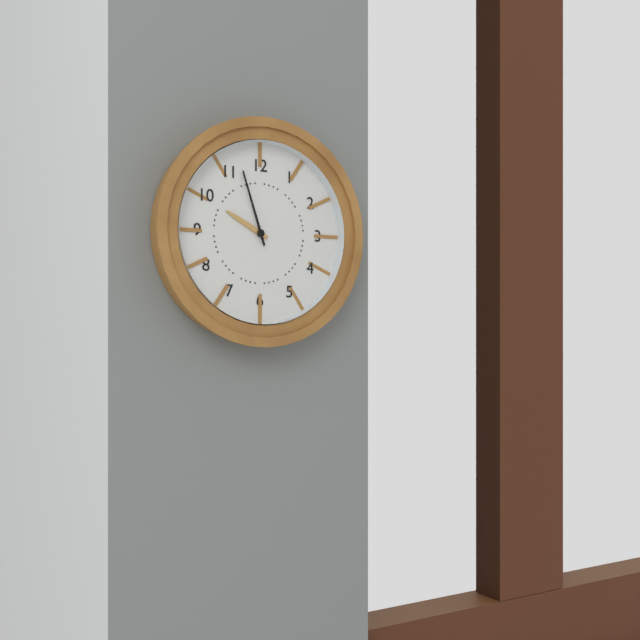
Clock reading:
9 h 57 min
